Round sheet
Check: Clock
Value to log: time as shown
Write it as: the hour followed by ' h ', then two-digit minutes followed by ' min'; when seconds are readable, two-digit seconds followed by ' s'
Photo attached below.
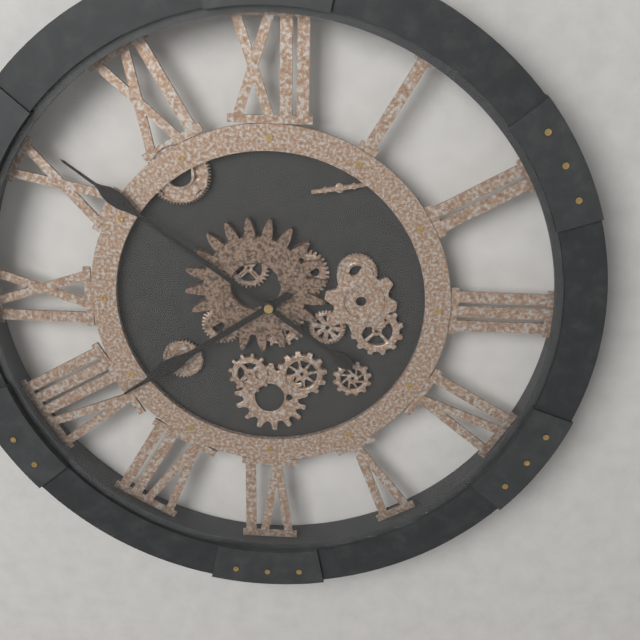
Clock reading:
7 h 51 min
